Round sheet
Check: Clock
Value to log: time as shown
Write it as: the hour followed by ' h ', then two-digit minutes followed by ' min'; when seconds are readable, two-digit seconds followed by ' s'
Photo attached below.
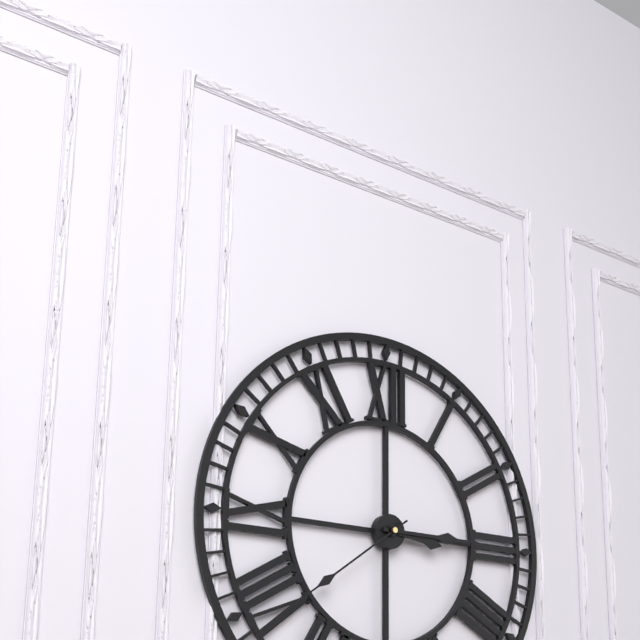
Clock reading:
3 h 15 min 39 s
